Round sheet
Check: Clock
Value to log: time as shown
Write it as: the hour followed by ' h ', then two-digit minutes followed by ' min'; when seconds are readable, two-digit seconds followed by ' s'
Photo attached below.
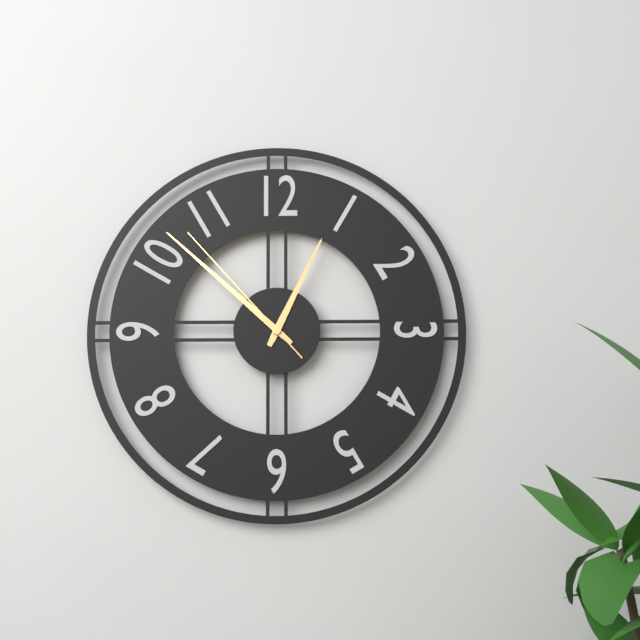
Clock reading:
12 h 52 min 53 s
